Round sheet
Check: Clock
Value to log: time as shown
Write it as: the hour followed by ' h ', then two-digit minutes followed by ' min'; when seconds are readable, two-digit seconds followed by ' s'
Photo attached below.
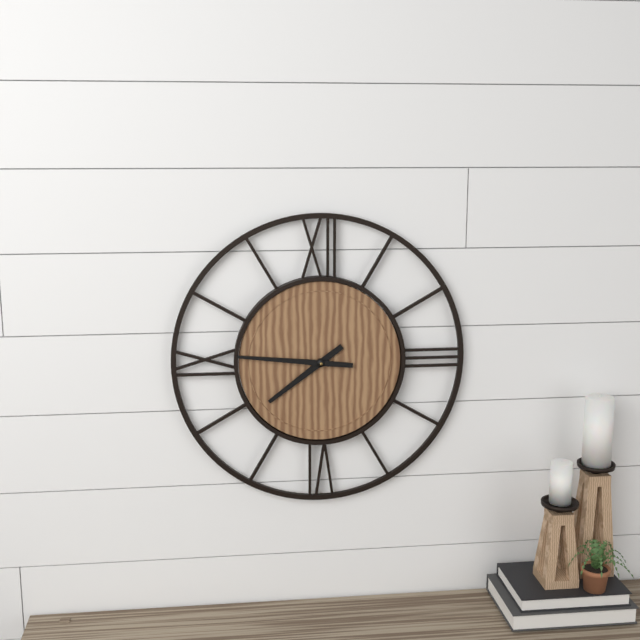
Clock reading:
7 h 46 min
